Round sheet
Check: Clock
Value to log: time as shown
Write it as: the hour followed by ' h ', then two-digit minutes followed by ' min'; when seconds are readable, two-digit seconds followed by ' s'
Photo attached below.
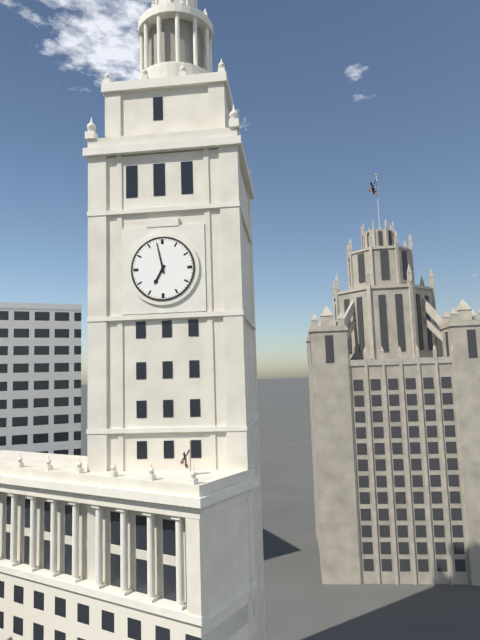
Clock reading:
6 h 58 min
